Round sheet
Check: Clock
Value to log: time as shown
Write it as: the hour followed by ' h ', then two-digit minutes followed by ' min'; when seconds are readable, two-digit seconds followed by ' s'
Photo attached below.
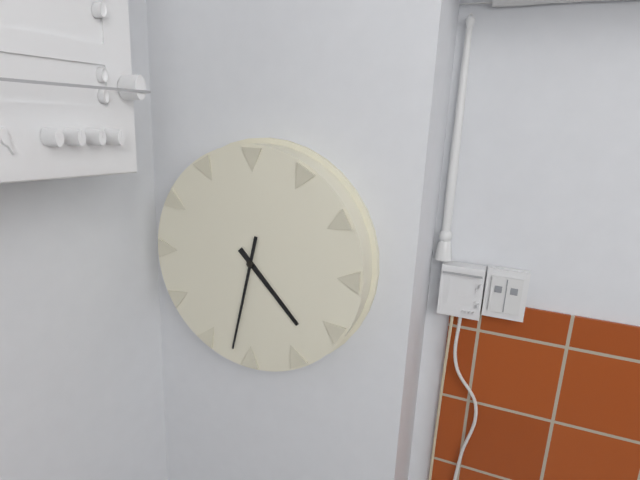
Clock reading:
4 h 32 min
